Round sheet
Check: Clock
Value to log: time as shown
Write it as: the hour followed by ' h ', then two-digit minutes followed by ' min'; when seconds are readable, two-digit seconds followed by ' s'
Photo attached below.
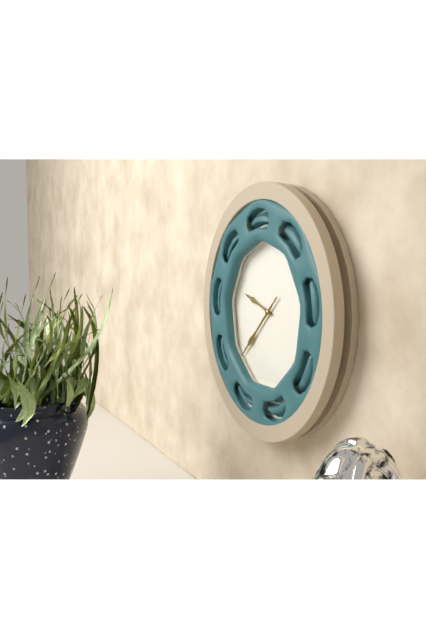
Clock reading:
9 h 38 min
